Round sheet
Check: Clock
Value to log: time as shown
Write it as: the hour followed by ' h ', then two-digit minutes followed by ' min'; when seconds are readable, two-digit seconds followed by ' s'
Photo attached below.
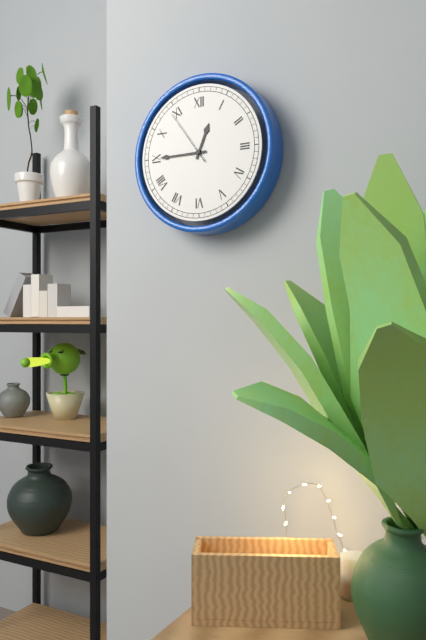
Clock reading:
12 h 45 min 54 s
